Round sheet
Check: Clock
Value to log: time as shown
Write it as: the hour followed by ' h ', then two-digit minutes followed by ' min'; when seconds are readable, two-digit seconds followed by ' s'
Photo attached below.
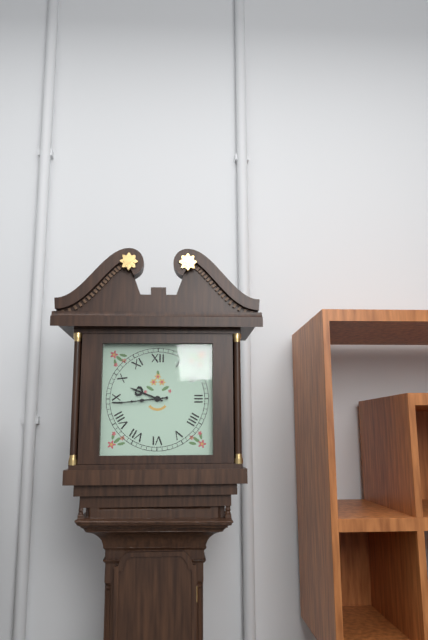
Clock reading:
9 h 44 min
